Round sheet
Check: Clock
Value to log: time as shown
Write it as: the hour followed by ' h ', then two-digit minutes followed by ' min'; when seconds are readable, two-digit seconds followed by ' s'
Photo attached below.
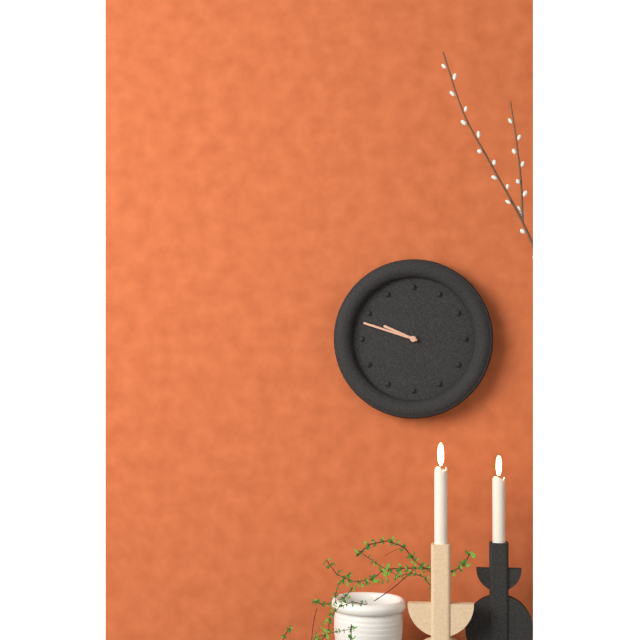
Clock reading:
9 h 48 min
